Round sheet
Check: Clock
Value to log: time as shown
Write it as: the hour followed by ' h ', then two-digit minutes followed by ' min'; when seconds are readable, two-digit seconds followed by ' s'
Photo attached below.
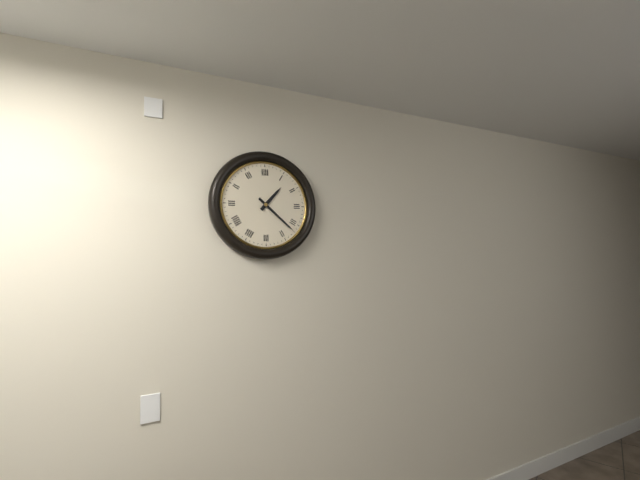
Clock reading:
1 h 22 min
